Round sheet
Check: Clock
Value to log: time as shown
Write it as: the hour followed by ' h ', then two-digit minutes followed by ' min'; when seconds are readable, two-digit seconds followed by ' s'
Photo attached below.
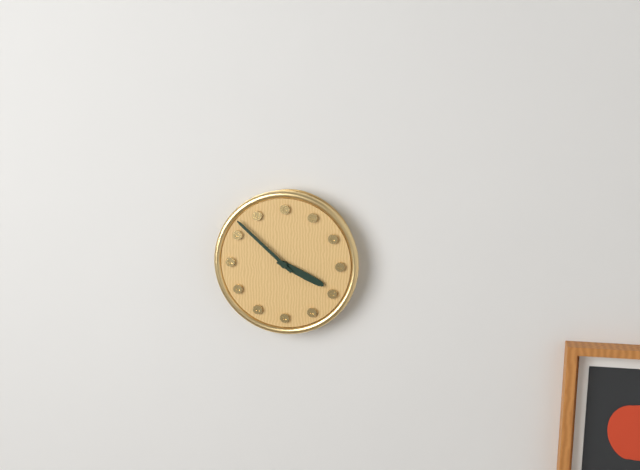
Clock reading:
3 h 52 min
